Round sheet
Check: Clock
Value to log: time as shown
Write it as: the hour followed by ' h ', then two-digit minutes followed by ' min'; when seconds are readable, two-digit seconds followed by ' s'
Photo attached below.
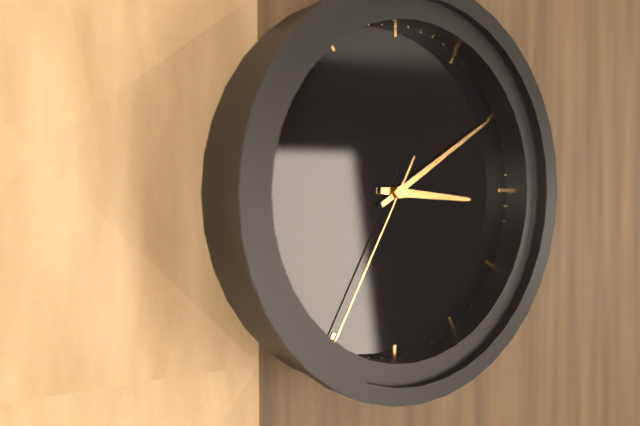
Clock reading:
3 h 10 min 35 s
